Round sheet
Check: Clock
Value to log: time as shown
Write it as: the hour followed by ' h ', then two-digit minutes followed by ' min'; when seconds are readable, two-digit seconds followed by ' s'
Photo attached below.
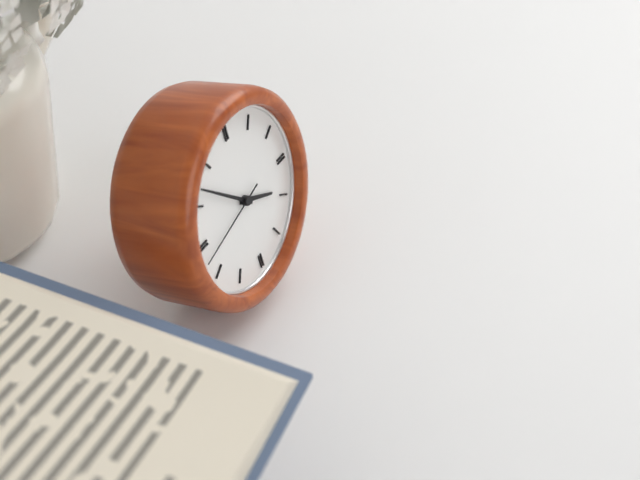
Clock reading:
3 h 52 min 43 s
